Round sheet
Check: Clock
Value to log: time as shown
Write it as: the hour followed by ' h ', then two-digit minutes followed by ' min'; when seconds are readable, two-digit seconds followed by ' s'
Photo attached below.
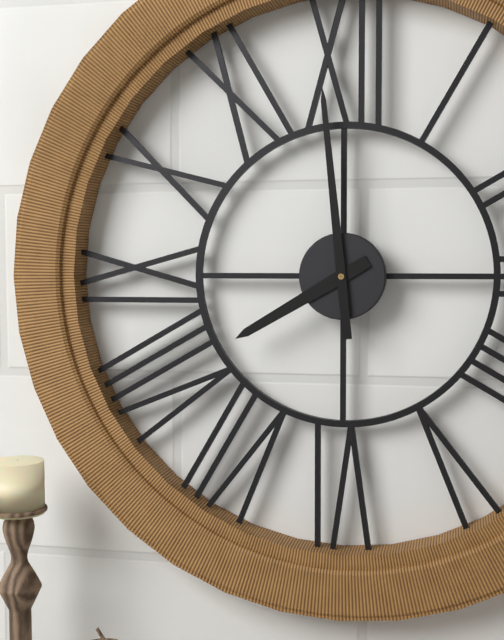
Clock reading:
7 h 59 min
